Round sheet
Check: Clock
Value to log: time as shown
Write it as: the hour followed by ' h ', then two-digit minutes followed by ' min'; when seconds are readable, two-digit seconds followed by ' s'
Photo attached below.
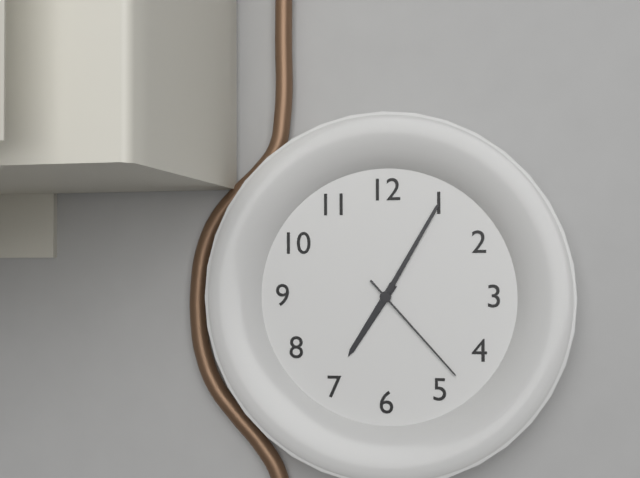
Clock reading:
7 h 05 min 23 s
